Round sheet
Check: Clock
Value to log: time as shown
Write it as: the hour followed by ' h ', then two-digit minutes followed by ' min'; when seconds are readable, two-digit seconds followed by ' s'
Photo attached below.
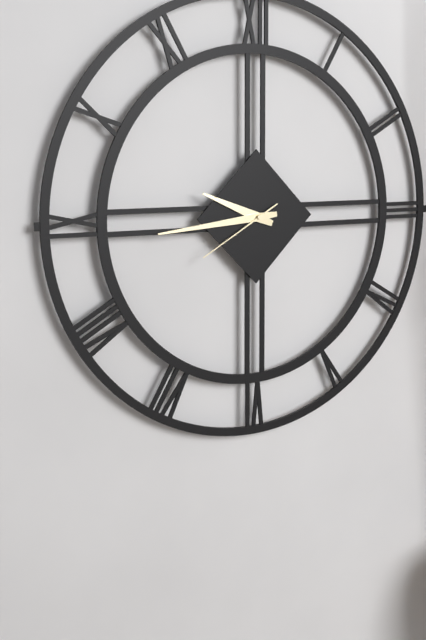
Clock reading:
9 h 44 min 40 s
